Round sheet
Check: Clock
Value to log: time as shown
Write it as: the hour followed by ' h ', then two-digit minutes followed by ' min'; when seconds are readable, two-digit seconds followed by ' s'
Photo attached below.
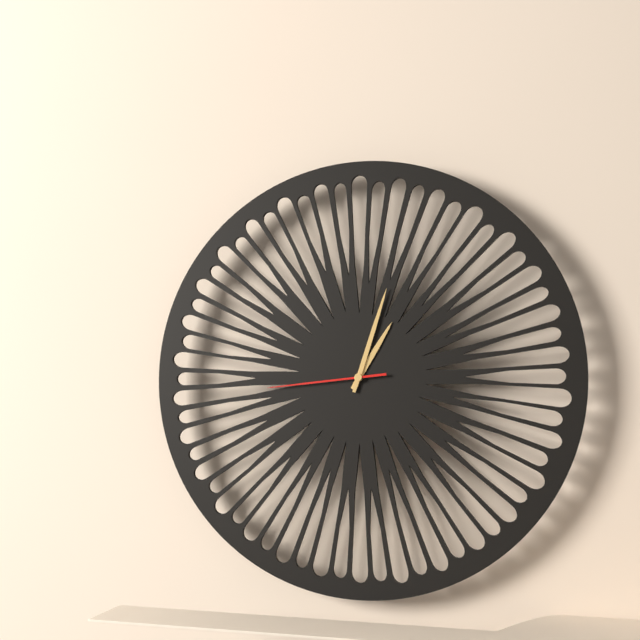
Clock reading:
1 h 03 min 44 s
